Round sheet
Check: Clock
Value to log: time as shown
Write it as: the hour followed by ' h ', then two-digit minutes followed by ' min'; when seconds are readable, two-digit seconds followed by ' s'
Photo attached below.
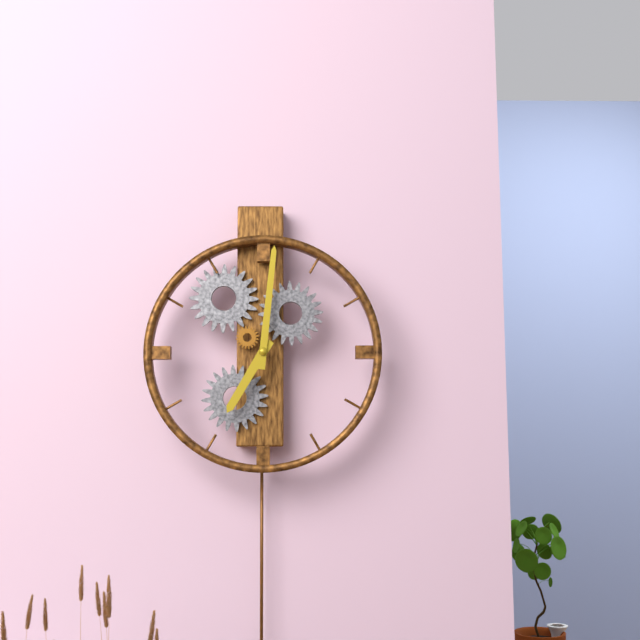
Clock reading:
7 h 01 min
